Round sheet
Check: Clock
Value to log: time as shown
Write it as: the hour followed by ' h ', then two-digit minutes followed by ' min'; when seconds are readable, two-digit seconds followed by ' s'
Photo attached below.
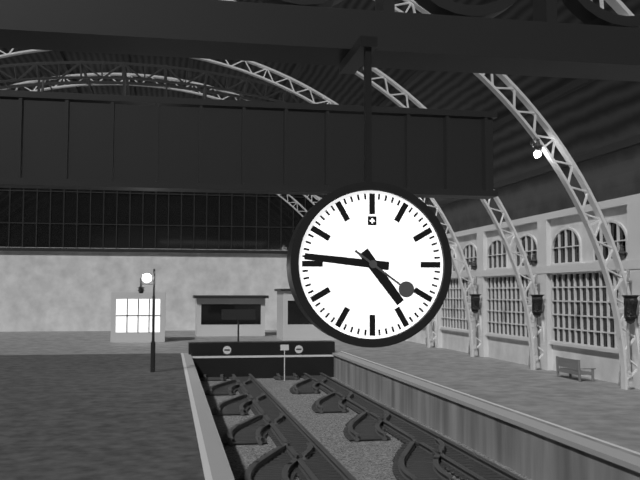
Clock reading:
4 h 46 min 21 s
